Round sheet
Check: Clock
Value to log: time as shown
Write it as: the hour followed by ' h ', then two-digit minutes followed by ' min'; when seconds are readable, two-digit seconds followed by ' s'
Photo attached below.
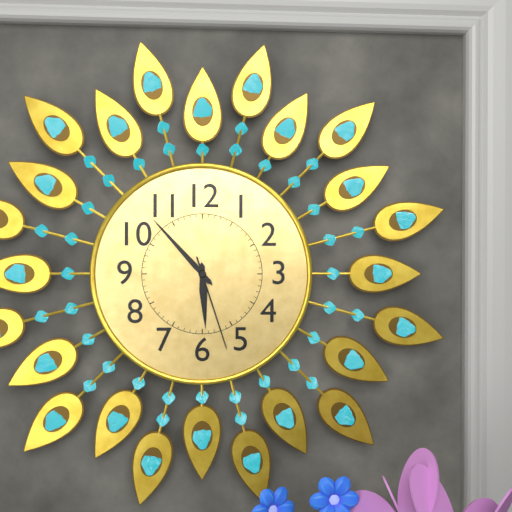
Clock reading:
5 h 53 min 27 s
